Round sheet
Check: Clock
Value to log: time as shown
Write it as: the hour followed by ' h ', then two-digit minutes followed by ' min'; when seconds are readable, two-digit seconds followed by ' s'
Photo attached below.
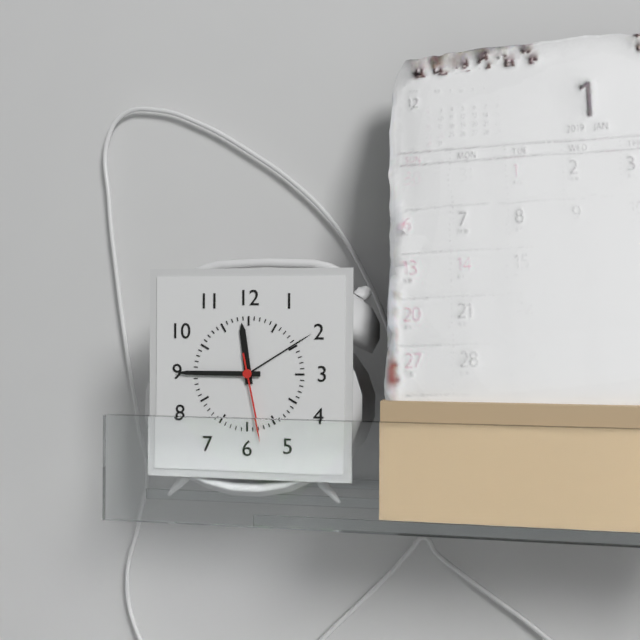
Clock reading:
11 h 45 min 28 s
